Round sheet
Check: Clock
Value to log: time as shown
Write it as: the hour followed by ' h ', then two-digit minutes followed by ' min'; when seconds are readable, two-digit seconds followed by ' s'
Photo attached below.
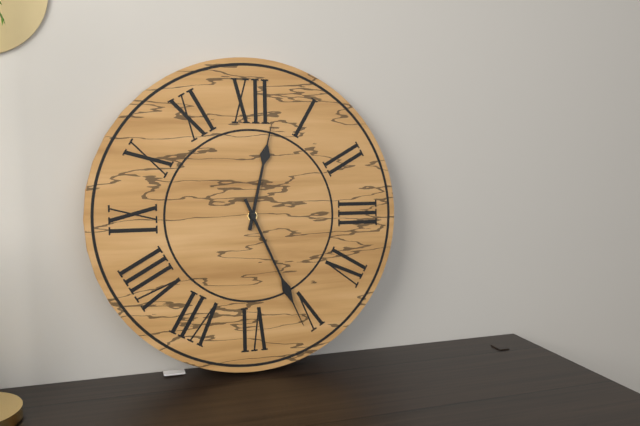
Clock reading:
12 h 26 min
